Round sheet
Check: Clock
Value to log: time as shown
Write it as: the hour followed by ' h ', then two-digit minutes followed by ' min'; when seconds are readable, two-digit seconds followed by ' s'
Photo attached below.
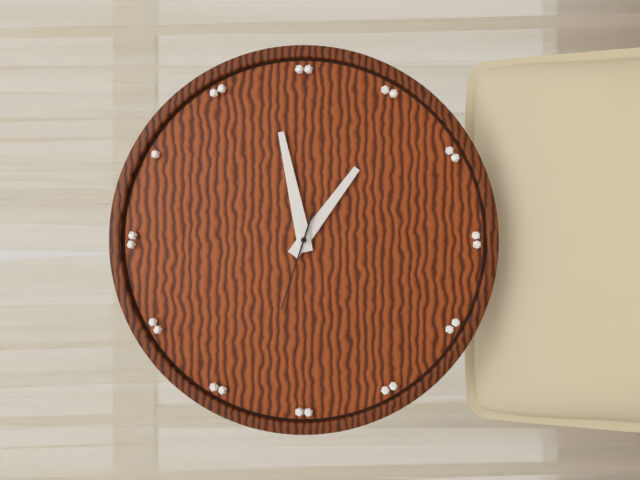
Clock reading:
4 h 13 min 48 s
